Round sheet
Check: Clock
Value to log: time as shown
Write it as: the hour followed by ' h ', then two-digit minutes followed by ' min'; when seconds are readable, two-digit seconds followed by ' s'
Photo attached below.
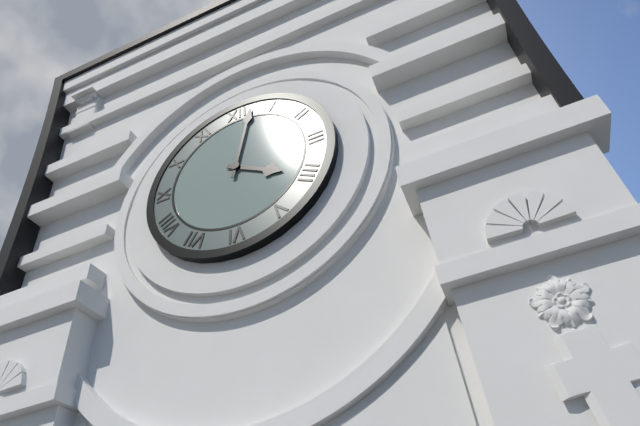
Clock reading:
4 h 02 min
